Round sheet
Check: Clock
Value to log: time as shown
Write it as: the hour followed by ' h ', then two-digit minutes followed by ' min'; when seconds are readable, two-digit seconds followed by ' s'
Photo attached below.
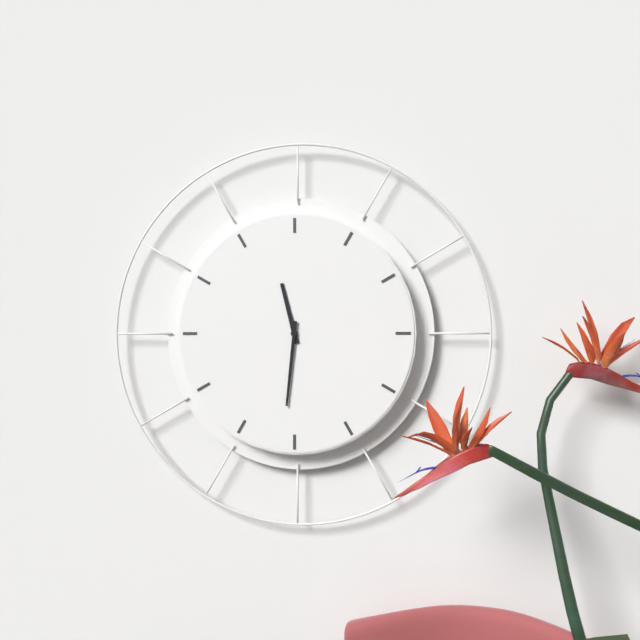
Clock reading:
11 h 31 min
